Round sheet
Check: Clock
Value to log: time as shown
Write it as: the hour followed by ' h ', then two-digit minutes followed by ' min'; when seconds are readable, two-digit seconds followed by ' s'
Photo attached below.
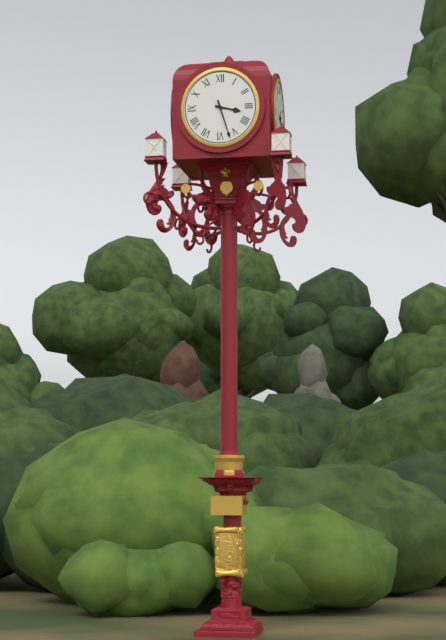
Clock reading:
3 h 27 min
